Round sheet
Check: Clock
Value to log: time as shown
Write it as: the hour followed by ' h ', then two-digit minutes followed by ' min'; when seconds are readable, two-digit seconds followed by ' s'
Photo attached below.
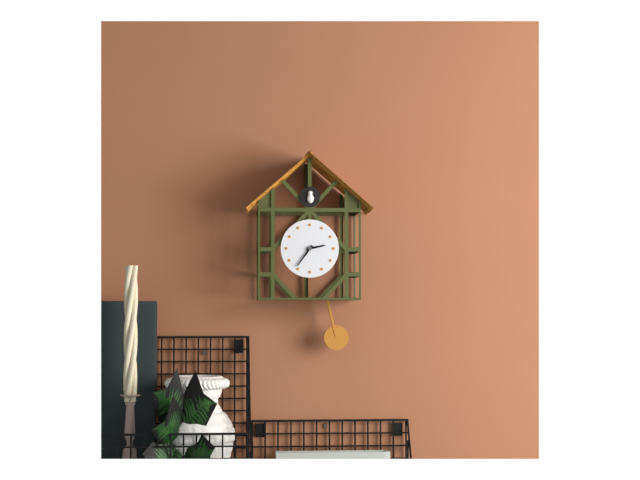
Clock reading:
2 h 36 min
